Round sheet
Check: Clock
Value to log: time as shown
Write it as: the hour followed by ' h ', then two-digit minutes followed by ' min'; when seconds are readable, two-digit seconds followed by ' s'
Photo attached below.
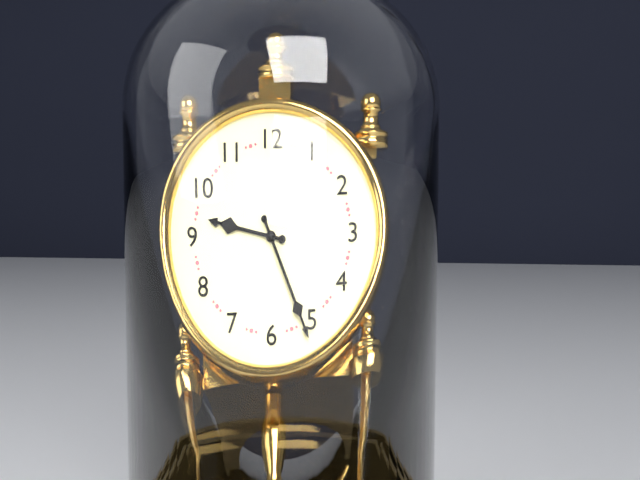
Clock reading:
9 h 26 min
